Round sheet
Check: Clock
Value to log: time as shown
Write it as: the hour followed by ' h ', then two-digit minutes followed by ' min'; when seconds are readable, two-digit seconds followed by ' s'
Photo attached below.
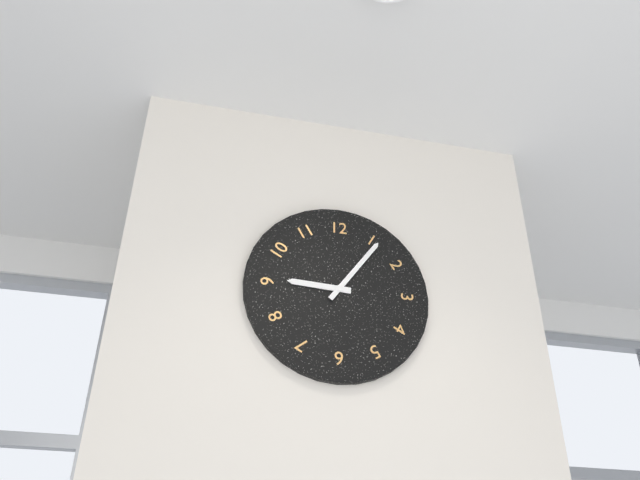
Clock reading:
9 h 06 min
